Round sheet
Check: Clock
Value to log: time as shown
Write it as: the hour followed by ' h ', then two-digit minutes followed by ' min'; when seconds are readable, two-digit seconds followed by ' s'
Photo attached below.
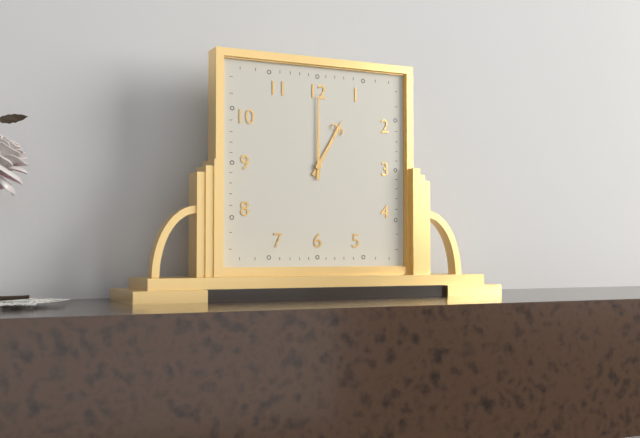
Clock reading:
1 h 00 min
